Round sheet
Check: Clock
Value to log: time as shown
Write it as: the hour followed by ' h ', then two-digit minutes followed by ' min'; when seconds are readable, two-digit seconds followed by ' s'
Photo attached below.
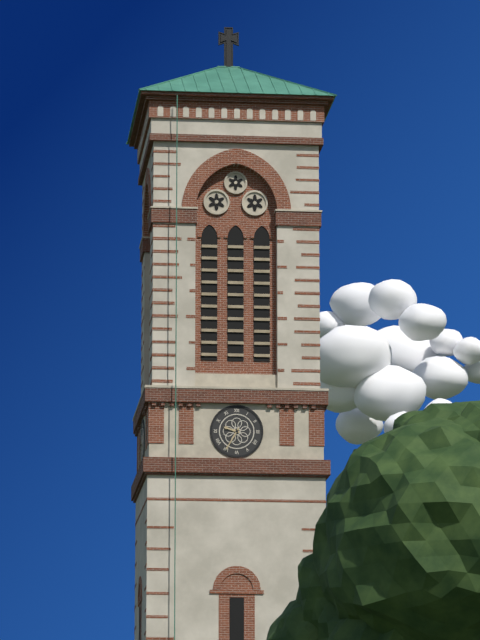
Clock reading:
9 h 35 min
